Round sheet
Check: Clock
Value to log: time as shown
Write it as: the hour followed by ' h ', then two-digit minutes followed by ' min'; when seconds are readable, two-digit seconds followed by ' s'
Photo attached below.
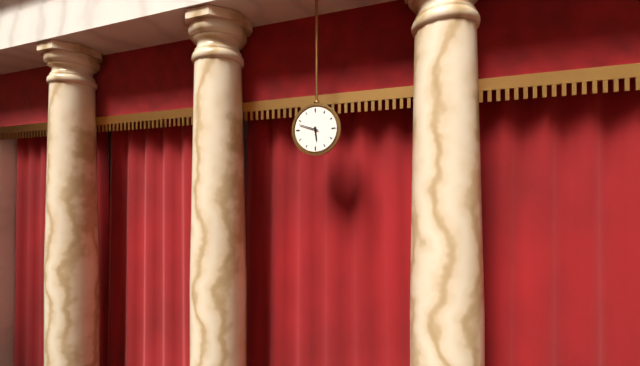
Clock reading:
5 h 48 min
